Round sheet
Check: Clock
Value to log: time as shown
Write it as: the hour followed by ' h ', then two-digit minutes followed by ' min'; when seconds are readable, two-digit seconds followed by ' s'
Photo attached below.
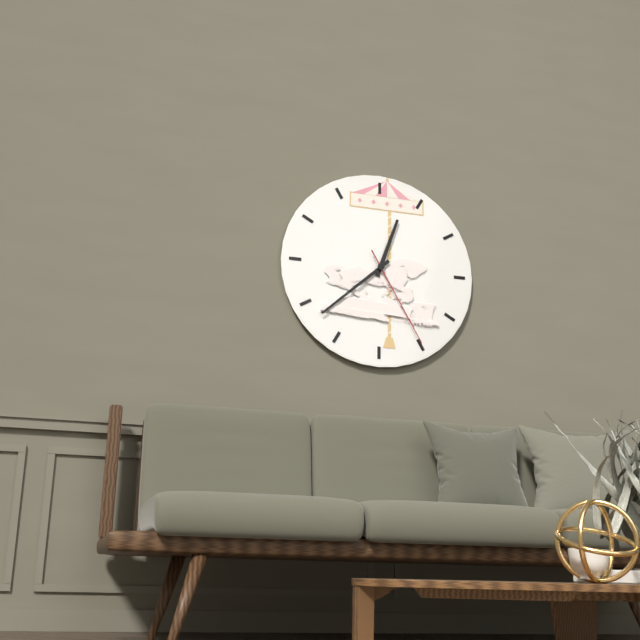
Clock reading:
12 h 38 min 25 s
